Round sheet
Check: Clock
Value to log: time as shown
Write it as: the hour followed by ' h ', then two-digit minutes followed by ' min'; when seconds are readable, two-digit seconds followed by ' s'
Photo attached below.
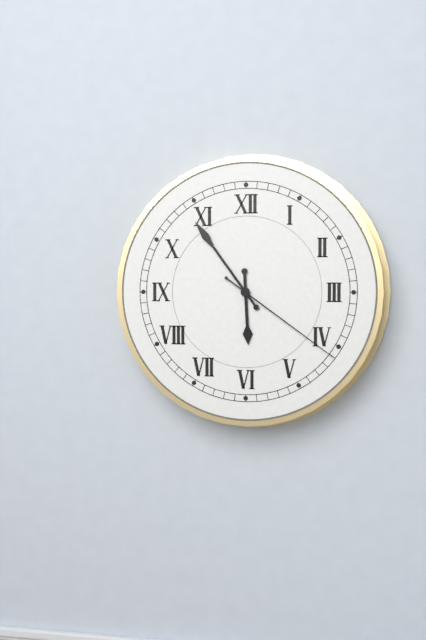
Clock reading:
5 h 54 min 21 s
